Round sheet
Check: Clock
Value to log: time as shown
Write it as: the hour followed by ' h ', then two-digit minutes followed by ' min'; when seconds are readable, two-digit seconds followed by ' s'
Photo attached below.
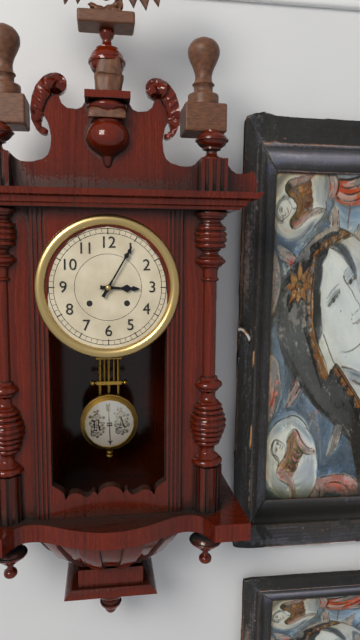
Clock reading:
3 h 05 min
